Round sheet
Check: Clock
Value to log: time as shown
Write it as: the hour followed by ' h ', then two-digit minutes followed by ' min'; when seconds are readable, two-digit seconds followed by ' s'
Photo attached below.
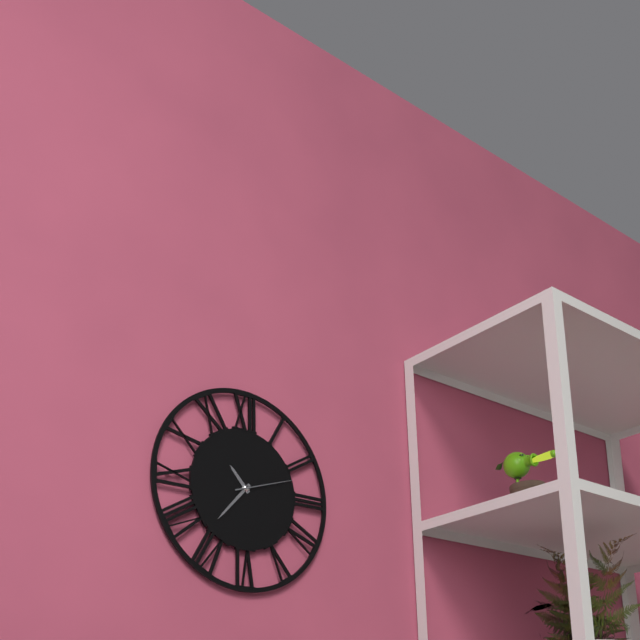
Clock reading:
10 h 37 min 12 s
